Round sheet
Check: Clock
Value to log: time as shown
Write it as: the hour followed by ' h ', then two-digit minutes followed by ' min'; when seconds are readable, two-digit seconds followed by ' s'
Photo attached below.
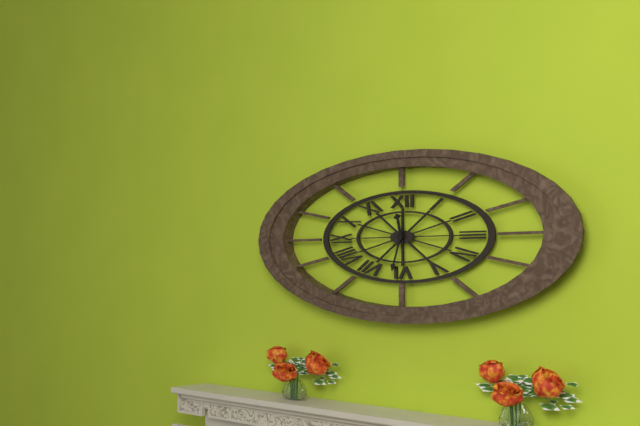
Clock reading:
11 h 33 min
